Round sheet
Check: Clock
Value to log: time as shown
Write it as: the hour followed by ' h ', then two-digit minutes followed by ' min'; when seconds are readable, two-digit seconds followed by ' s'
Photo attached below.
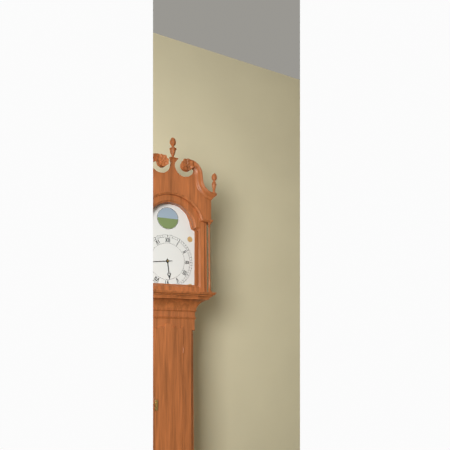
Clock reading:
5 h 44 min
